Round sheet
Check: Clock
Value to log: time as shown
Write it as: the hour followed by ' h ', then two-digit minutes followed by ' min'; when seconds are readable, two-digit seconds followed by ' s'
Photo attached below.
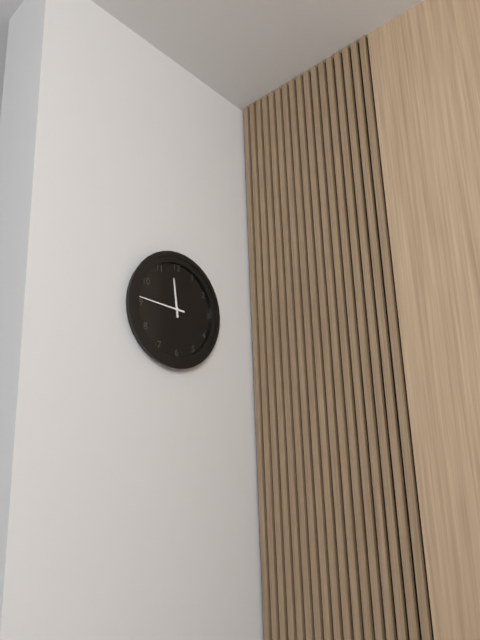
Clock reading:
11 h 46 min
